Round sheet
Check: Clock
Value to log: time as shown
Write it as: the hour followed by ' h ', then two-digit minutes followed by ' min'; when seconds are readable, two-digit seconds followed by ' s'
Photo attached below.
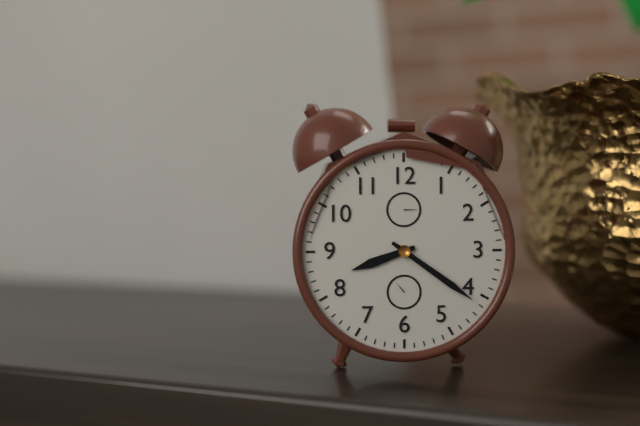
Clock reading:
8 h 21 min
